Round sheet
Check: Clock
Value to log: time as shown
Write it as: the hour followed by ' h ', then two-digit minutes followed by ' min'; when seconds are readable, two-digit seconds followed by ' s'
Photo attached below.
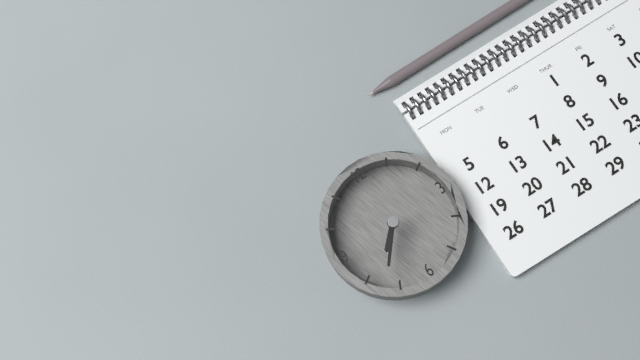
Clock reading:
7 h 37 min
